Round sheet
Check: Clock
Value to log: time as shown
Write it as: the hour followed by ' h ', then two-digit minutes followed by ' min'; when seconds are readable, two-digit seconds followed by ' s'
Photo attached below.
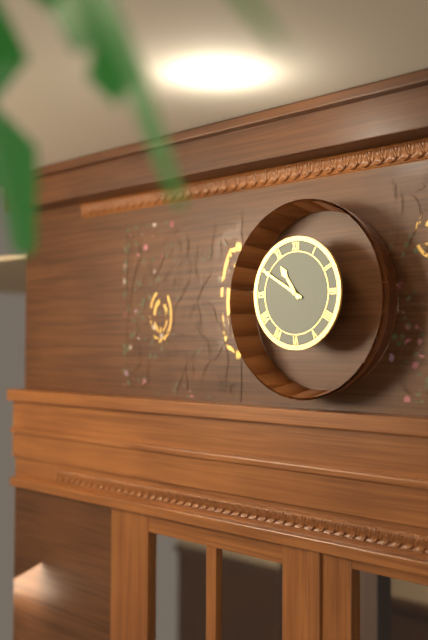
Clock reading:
10 h 50 min
